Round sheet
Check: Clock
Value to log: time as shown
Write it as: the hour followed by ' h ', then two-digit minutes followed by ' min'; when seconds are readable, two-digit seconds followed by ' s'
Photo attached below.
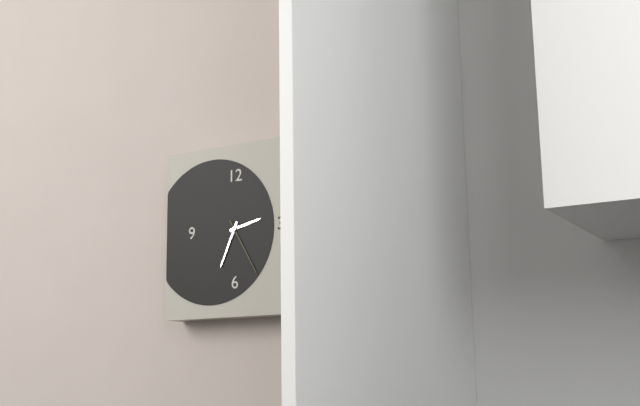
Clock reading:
2 h 34 min 25 s
